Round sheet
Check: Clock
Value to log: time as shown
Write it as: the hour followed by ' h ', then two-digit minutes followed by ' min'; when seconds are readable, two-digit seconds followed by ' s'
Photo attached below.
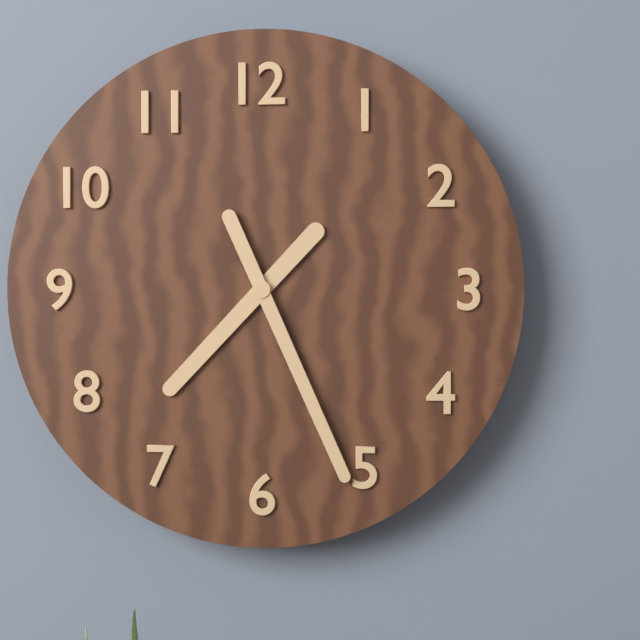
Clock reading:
7 h 26 min
